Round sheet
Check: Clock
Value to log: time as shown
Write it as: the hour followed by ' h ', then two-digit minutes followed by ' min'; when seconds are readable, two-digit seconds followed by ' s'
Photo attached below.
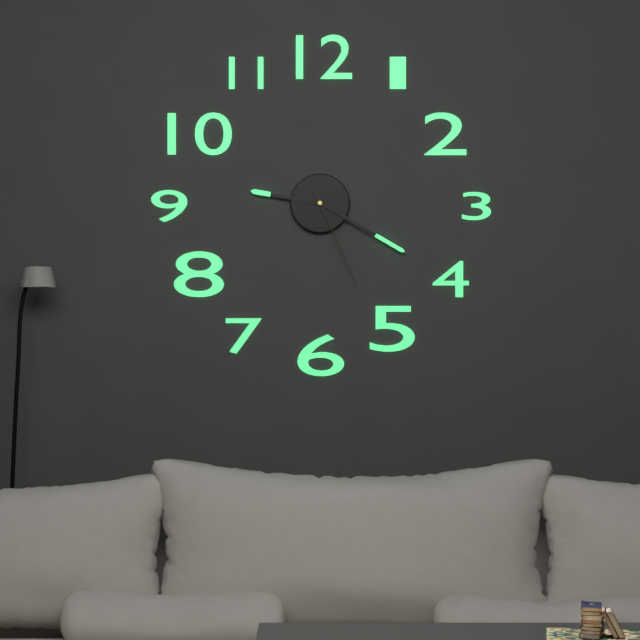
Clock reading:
9 h 20 min 26 s
